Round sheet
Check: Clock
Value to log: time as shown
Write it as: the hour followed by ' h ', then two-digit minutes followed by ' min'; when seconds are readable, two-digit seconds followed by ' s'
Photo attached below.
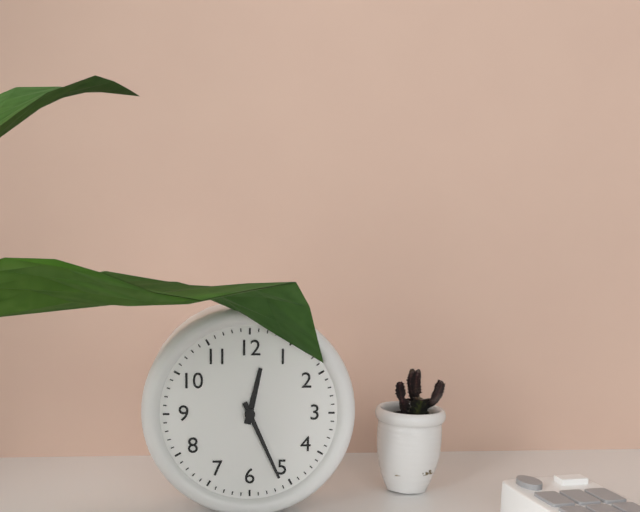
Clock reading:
12 h 26 min
